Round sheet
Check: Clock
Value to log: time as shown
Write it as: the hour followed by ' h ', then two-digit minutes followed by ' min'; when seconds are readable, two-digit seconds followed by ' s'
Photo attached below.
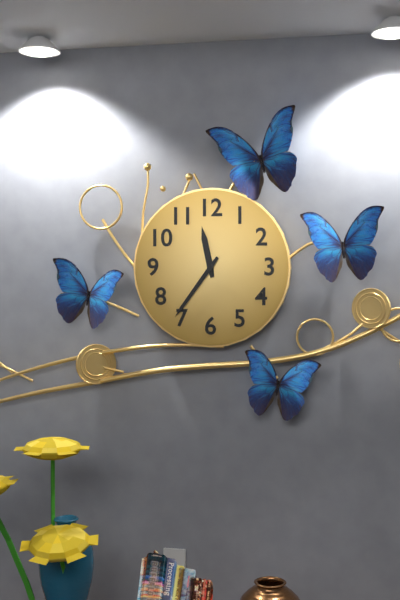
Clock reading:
11 h 36 min
